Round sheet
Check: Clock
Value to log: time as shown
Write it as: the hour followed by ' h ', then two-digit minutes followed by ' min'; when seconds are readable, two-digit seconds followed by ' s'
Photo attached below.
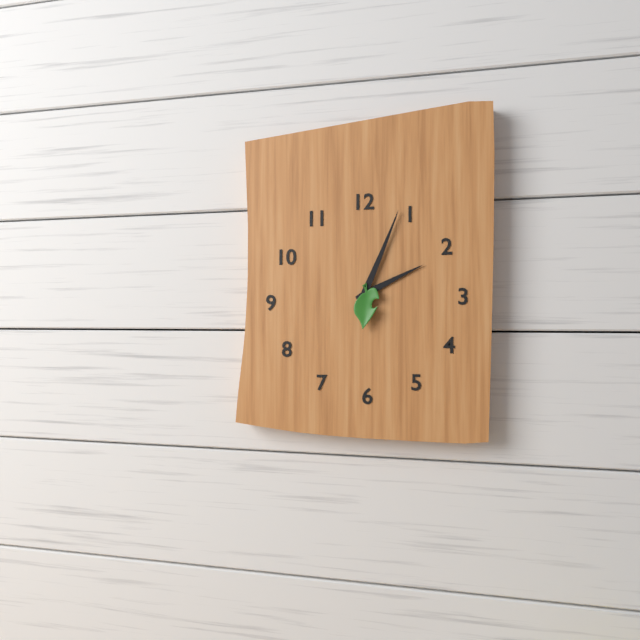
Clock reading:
2 h 04 min
